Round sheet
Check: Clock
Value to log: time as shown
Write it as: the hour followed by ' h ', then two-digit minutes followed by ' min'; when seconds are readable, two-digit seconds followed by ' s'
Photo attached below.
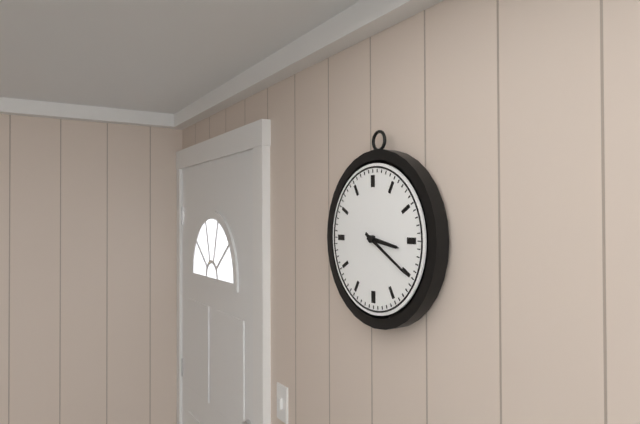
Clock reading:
3 h 20 min
